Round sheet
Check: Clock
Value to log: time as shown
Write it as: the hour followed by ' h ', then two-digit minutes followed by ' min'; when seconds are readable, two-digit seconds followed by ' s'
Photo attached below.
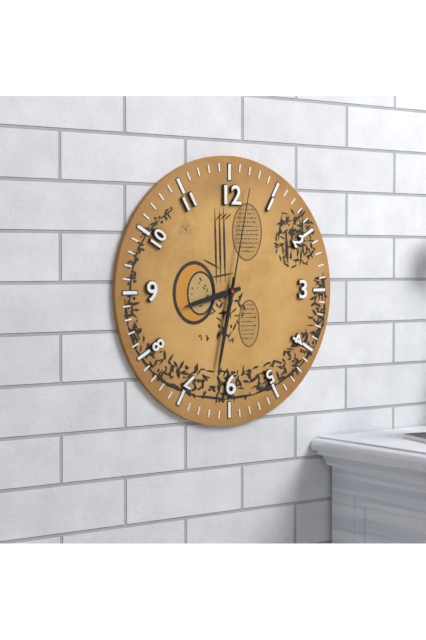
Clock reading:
8 h 32 min 02 s
